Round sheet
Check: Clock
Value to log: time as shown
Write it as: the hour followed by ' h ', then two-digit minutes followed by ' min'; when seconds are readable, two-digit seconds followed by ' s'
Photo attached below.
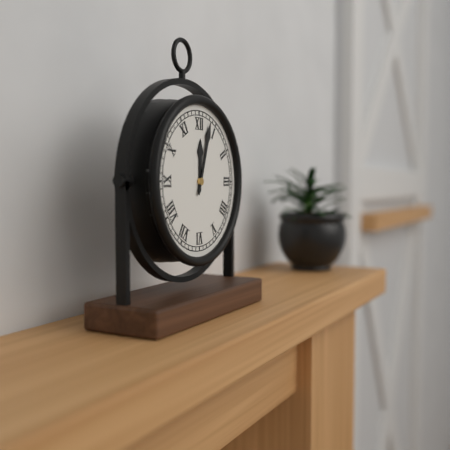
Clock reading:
12 h 03 min
